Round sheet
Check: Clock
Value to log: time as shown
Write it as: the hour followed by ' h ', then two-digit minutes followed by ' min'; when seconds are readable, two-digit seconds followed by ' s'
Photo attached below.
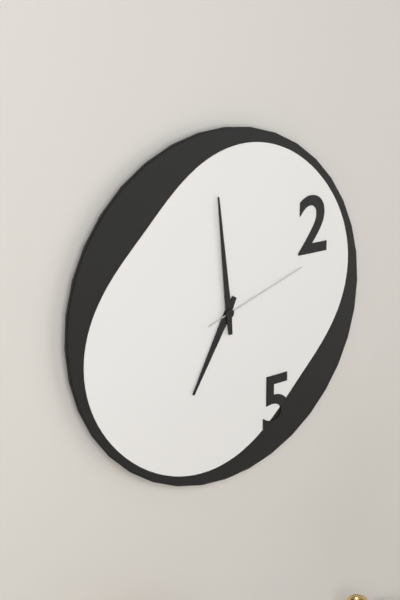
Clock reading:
6 h 59 min 12 s
